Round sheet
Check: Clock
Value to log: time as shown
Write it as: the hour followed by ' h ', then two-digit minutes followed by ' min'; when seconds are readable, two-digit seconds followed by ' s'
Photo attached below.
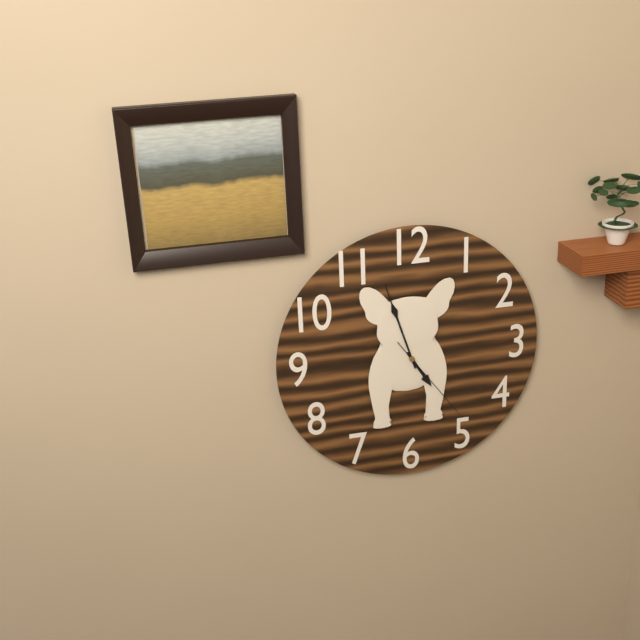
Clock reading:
4 h 57 min 24 s
